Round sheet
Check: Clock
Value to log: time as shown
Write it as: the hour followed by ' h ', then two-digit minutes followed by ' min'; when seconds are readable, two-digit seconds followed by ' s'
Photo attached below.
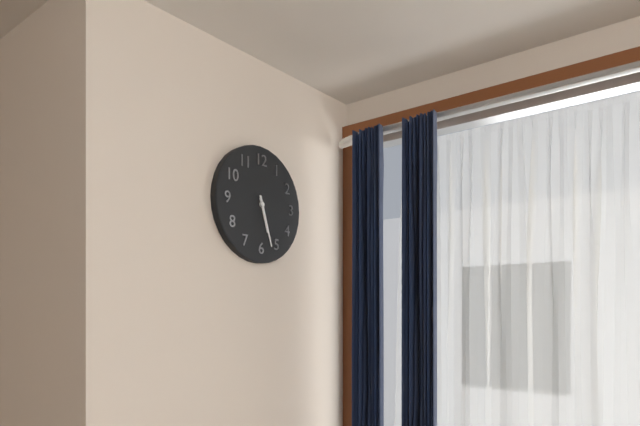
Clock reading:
5 h 27 min
